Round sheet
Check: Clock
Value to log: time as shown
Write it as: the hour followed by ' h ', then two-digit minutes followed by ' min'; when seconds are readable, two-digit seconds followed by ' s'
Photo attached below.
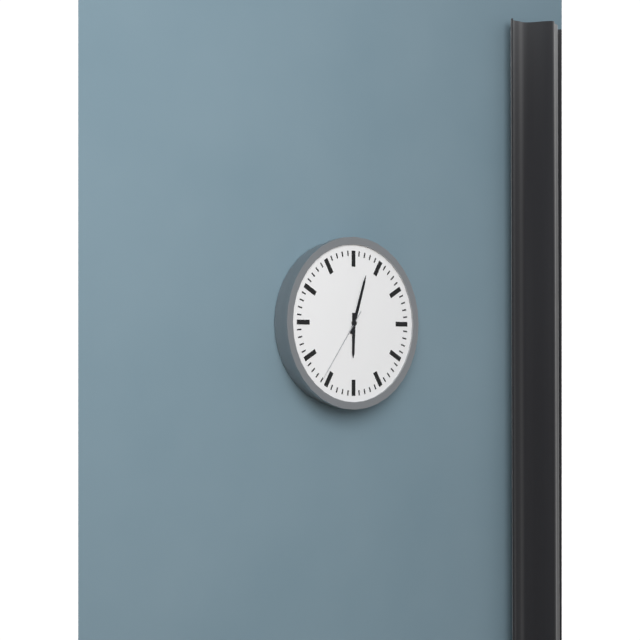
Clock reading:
6 h 03 min 36 s
